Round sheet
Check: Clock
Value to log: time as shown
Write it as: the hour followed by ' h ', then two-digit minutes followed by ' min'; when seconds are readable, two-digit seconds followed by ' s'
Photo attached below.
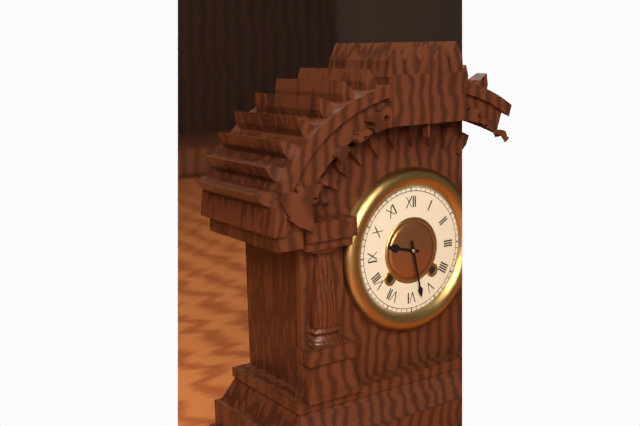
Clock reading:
9 h 28 min
